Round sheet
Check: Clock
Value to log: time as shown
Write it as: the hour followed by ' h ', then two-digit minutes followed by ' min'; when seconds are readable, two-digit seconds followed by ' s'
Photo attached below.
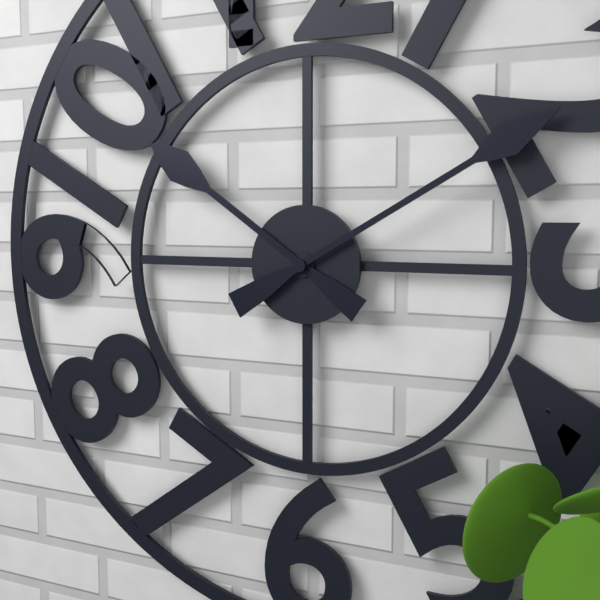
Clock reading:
10 h 10 min
